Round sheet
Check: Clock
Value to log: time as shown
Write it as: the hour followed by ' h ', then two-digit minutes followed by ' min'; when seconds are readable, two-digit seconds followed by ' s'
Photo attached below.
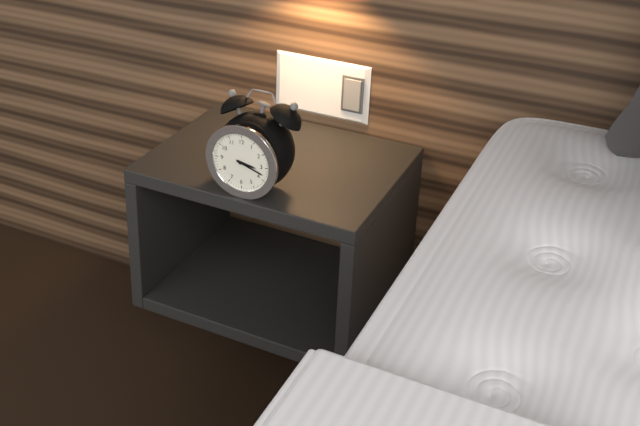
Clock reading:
3 h 18 min
